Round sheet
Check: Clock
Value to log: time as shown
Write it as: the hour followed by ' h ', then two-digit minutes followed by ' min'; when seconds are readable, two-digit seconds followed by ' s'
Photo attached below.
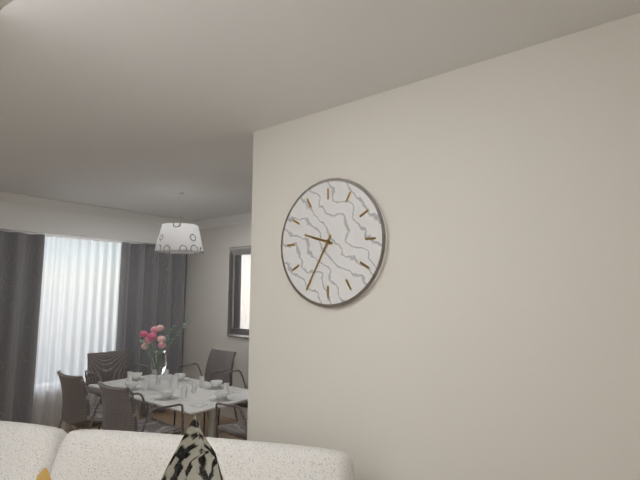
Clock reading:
9 h 35 min
